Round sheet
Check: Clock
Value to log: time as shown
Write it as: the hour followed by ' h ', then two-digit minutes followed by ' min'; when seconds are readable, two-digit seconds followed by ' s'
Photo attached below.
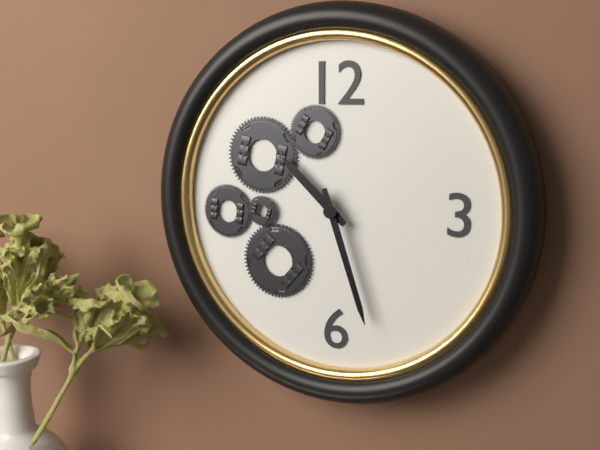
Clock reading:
10 h 27 min
